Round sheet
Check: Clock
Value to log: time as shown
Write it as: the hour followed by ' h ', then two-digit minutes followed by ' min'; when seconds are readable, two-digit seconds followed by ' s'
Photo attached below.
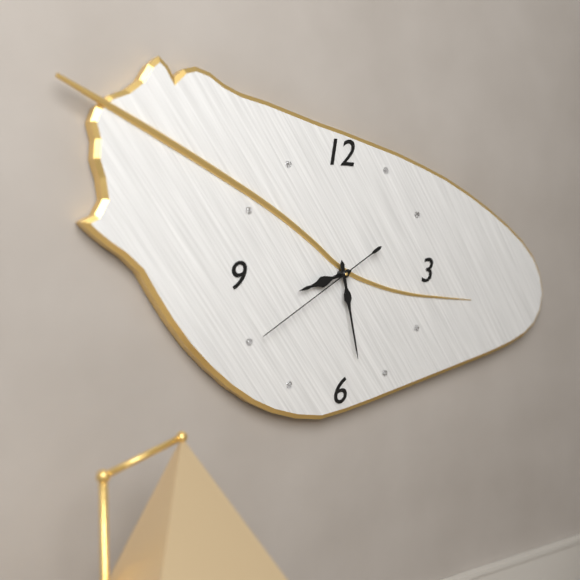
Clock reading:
8 h 28 min 40 s
